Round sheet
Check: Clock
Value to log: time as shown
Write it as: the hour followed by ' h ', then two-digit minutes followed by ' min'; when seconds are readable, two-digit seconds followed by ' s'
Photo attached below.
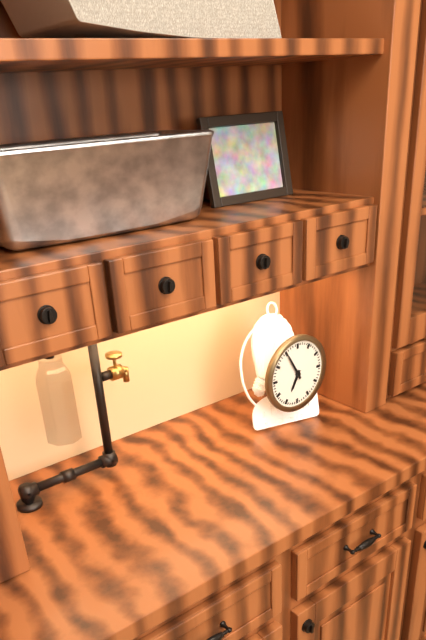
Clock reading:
6 h 55 min
